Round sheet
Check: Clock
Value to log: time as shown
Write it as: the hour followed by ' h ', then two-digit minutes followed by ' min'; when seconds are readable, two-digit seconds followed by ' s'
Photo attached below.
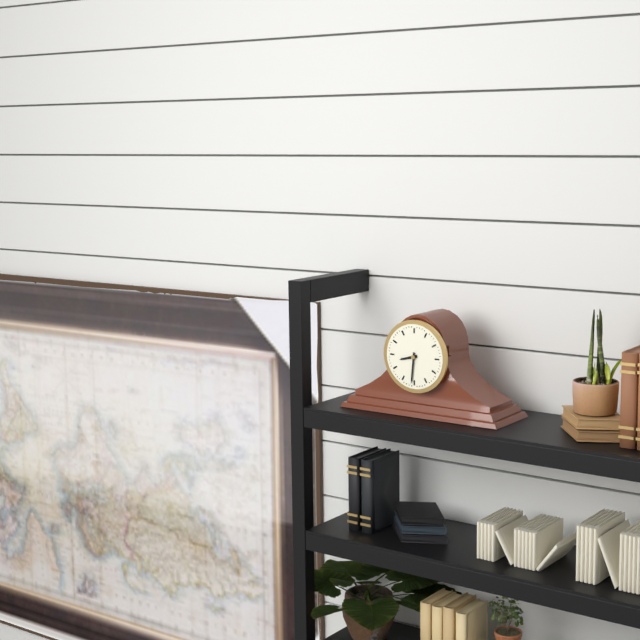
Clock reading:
8 h 31 min
